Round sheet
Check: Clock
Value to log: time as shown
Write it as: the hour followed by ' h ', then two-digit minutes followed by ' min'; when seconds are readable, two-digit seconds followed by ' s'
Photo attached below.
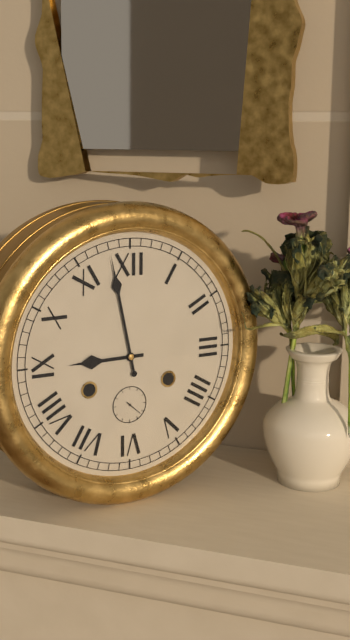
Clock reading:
8 h 58 min
